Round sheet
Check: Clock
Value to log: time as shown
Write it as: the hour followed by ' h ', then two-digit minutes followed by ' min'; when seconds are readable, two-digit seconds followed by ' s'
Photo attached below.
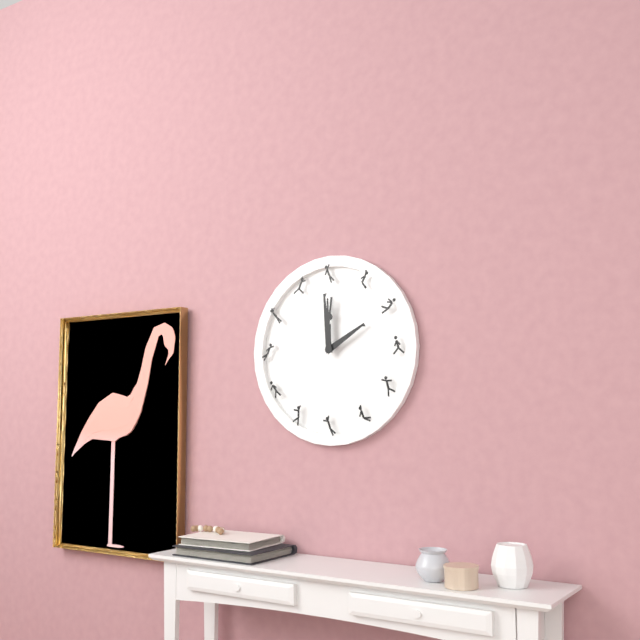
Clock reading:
1 h 59 min
